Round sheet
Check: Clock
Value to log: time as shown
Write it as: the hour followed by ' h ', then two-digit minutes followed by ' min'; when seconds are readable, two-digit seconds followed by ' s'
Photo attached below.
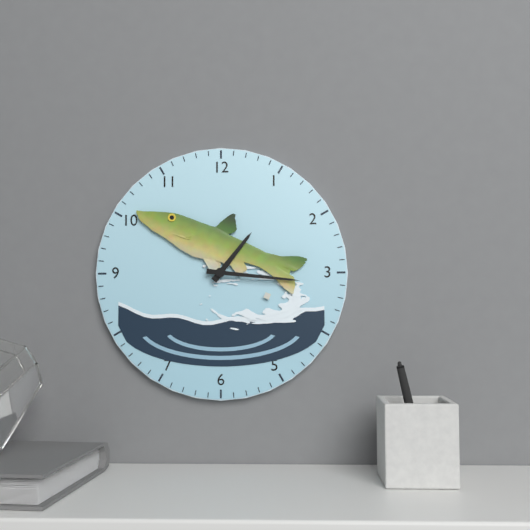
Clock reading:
1 h 16 min
